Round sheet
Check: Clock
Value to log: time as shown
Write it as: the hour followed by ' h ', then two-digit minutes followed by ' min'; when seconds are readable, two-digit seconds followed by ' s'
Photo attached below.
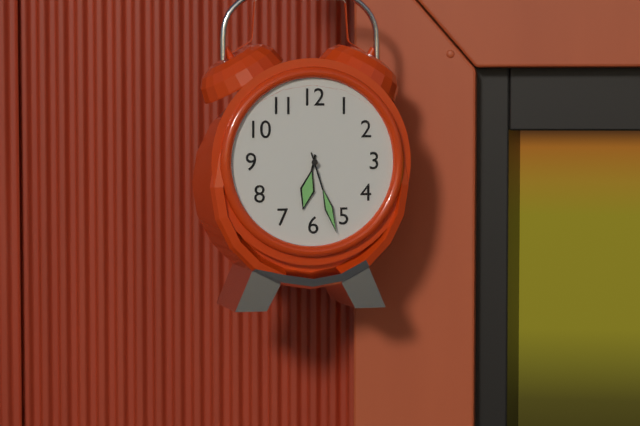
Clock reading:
6 h 27 min
